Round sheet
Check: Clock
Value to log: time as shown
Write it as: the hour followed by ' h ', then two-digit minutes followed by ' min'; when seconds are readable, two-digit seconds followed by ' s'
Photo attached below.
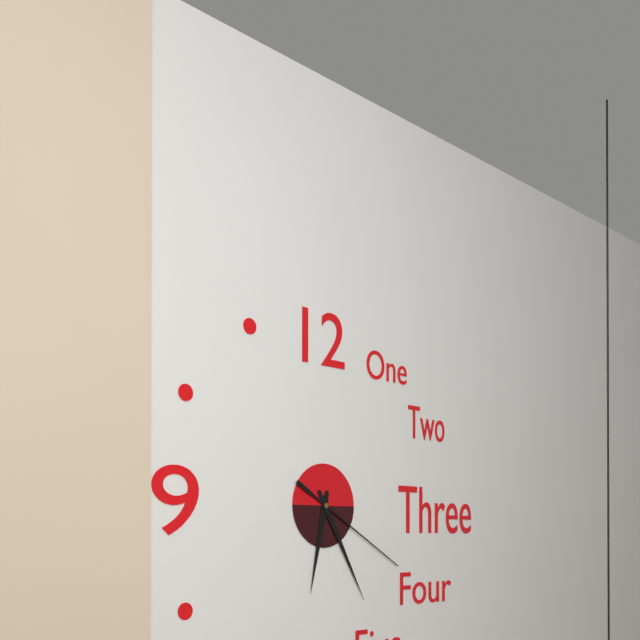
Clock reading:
6 h 25 min 20 s
